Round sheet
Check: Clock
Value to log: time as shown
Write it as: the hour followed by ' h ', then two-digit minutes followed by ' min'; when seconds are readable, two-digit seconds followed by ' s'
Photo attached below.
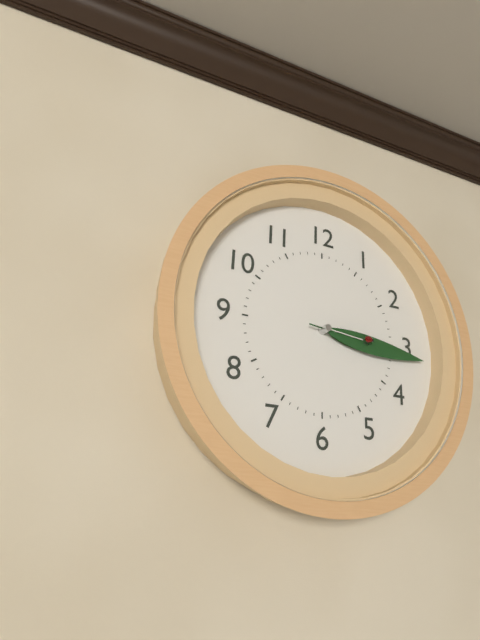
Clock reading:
3 h 16 min 16 s
